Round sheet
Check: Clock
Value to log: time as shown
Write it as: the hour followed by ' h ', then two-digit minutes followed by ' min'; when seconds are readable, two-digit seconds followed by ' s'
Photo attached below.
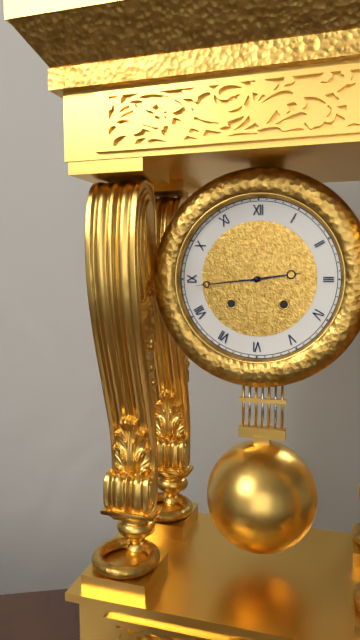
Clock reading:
2 h 44 min
